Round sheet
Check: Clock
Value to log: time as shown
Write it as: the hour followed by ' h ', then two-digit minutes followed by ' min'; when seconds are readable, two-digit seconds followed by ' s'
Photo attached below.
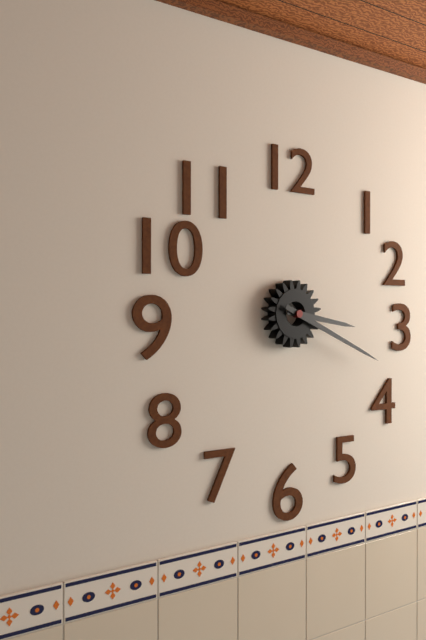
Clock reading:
3 h 19 min
